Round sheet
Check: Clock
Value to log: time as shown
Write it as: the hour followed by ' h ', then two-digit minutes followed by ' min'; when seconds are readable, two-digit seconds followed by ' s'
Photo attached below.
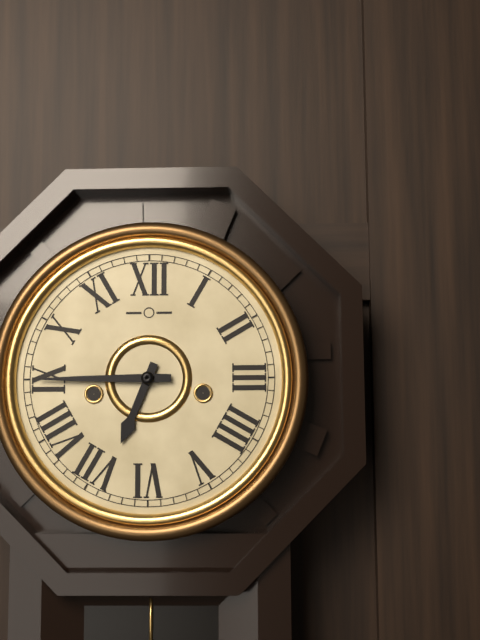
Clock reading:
6 h 45 min
